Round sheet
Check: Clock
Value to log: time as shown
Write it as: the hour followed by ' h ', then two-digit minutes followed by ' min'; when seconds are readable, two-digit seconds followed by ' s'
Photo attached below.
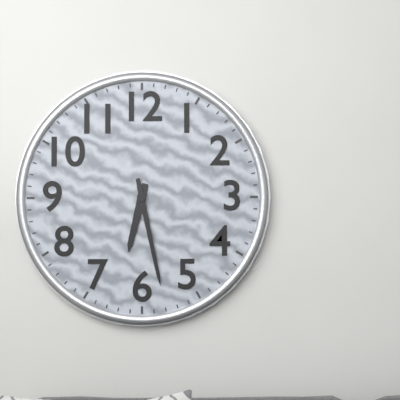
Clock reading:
6 h 28 min
